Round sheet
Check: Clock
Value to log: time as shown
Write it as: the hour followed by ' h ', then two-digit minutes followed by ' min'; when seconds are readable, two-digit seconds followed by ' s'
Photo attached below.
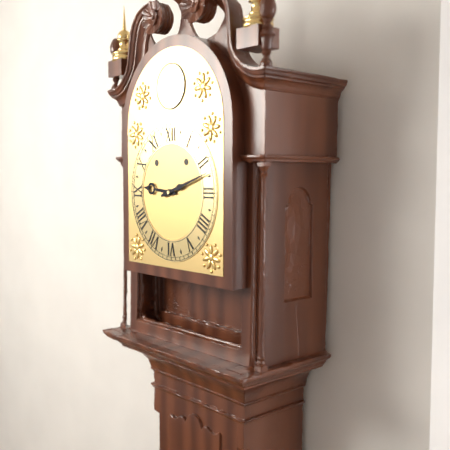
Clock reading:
9 h 12 min
